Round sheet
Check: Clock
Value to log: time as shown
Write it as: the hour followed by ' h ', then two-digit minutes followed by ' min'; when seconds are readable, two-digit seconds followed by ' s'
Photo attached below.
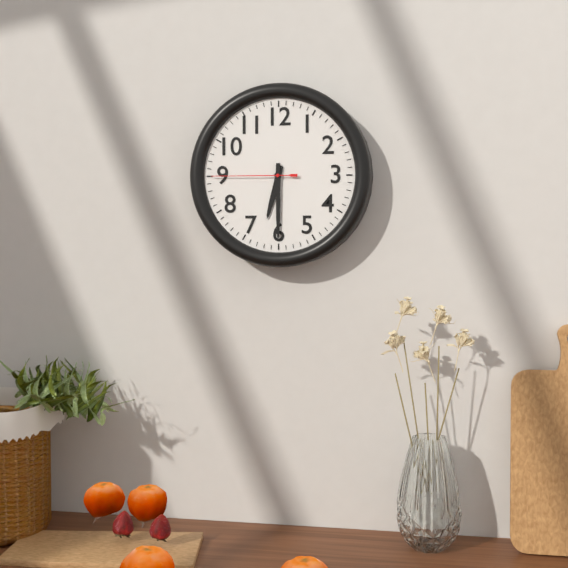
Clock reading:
6 h 30 min 45 s
